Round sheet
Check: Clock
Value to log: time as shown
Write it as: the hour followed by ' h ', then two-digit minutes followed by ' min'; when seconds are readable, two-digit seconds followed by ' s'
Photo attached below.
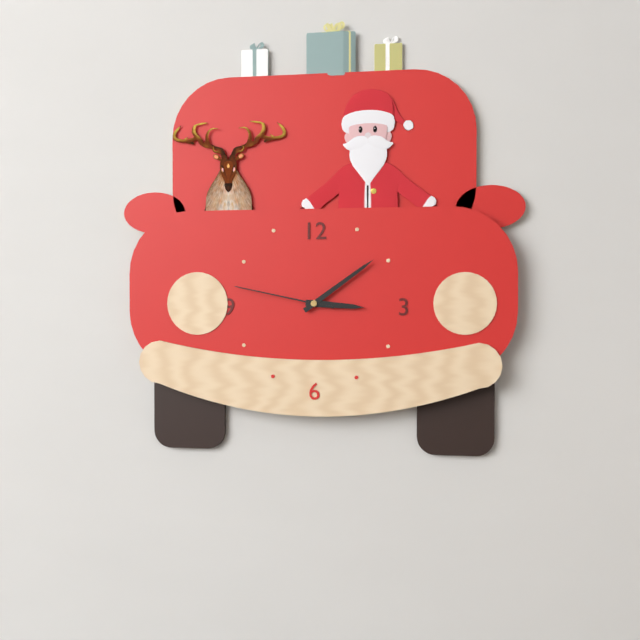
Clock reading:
3 h 09 min 47 s
